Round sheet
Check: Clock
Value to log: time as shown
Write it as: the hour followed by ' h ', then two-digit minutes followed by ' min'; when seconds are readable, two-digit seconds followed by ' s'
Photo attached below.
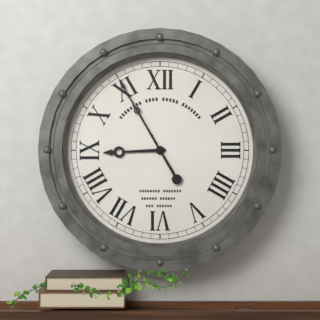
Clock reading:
8 h 55 min
